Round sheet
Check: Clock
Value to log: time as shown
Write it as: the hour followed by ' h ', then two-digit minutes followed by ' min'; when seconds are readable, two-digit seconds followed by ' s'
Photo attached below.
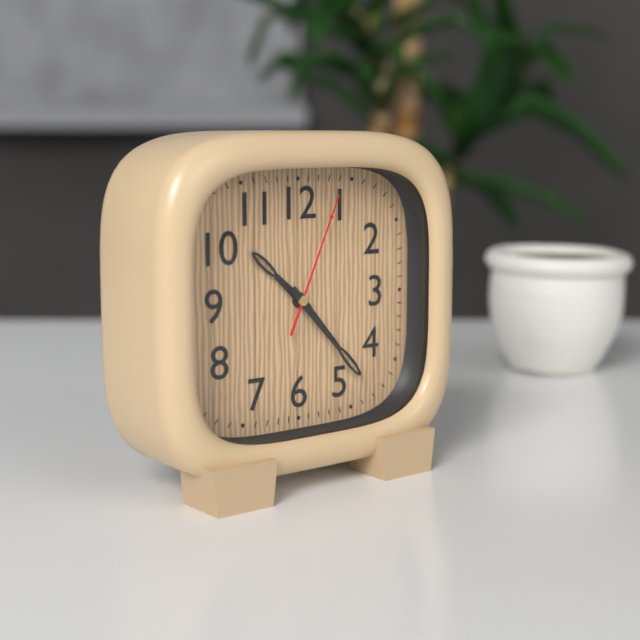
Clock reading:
10 h 23 min 04 s
